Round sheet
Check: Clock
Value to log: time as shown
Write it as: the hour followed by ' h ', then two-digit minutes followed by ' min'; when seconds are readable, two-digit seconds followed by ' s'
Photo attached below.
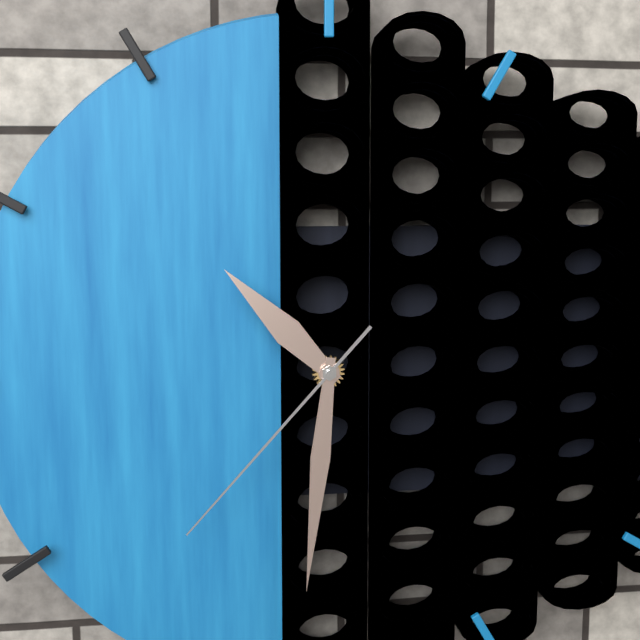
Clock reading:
10 h 31 min 37 s
